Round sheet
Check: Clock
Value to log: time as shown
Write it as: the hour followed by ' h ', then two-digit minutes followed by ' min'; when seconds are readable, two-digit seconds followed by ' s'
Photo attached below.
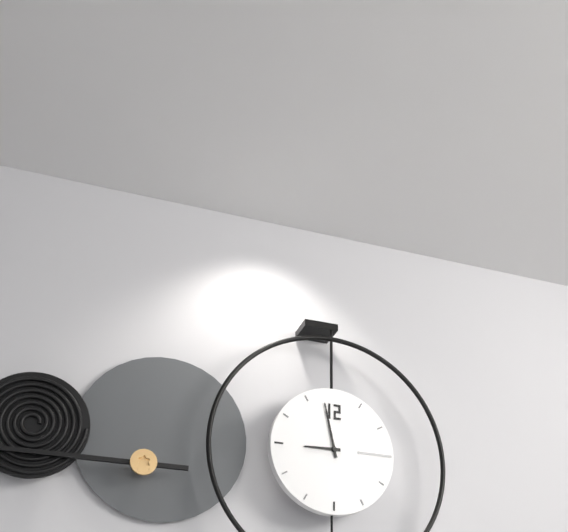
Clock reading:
8 h 58 min
